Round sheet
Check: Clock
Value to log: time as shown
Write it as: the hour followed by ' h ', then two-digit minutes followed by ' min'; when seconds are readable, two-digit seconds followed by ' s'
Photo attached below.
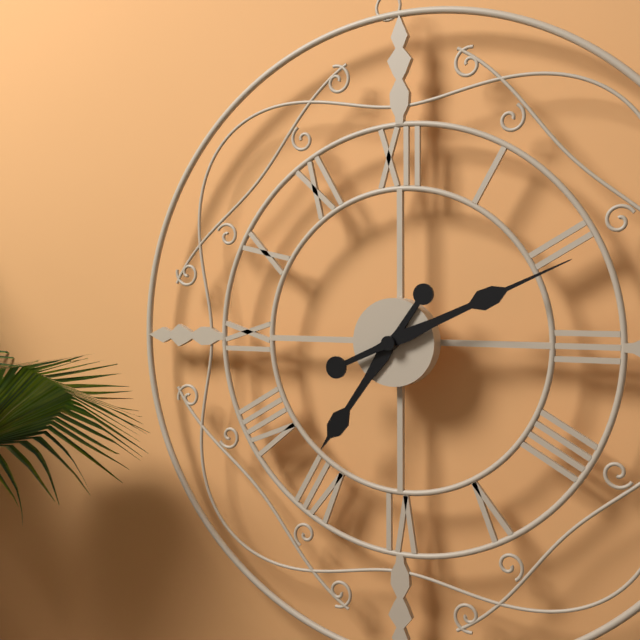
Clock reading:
7 h 11 min
